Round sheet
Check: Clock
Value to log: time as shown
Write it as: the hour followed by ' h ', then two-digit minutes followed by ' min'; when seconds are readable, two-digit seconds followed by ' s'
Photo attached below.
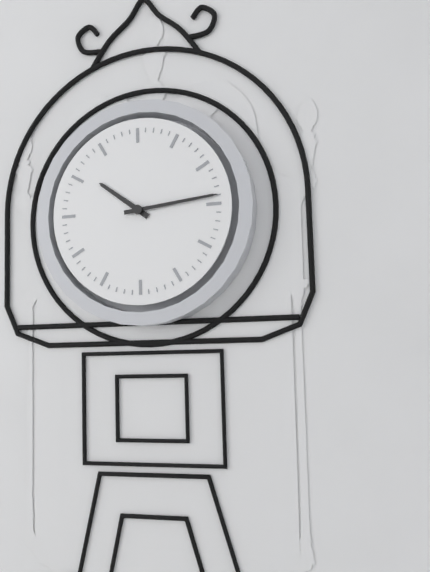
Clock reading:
10 h 14 min
